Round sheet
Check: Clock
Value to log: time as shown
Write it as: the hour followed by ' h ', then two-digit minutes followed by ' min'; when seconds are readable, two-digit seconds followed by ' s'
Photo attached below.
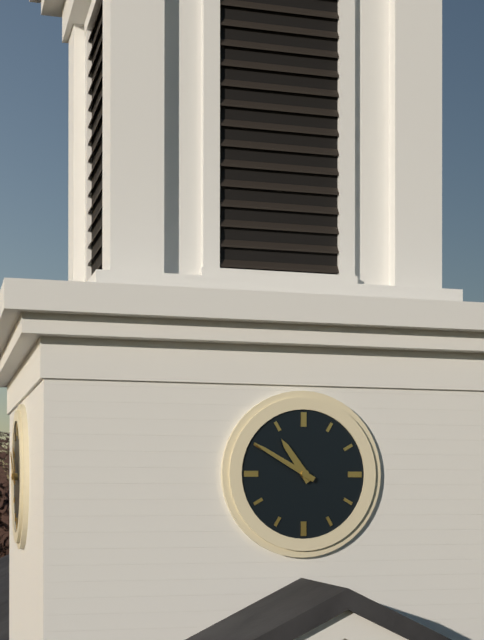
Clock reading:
10 h 50 min
